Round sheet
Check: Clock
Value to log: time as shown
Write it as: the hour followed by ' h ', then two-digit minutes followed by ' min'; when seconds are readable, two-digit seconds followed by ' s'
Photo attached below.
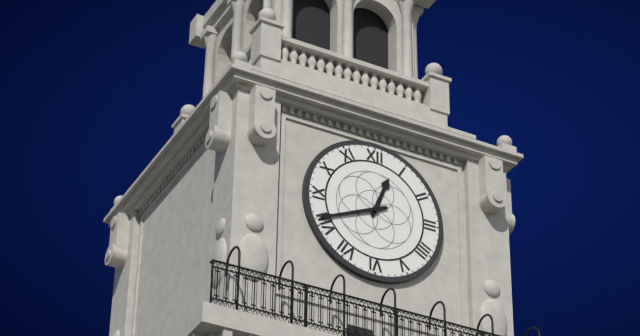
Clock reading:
12 h 41 min
